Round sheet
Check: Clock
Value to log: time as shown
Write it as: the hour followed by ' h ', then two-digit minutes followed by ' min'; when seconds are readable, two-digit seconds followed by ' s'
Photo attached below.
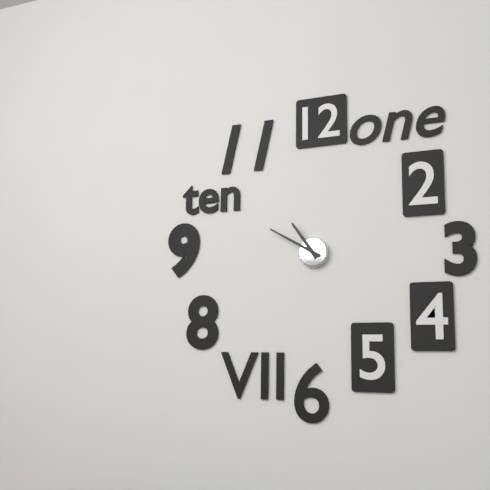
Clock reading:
10 h 50 min
